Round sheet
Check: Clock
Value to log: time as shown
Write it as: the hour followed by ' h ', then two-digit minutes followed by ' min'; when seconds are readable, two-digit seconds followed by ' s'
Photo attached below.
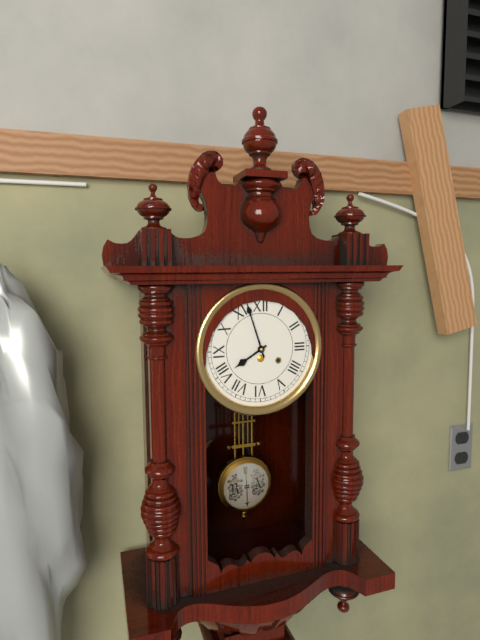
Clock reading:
7 h 57 min
